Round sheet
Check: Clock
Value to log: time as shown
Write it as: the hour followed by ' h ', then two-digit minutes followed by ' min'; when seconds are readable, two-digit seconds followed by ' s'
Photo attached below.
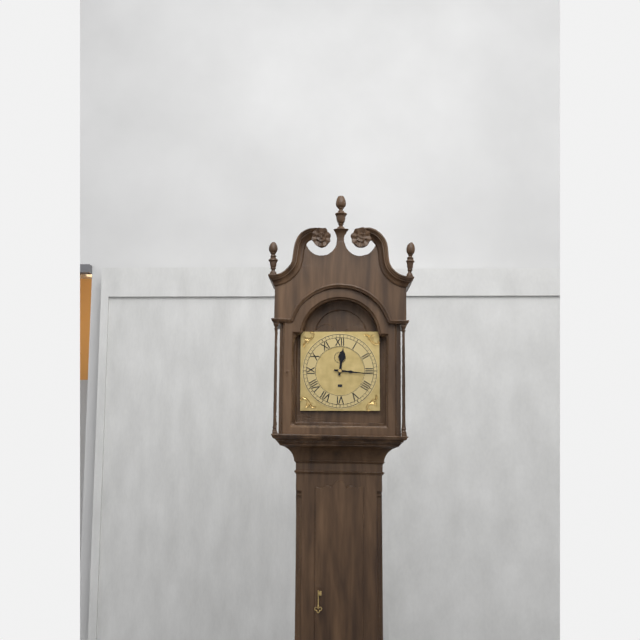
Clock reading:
12 h 16 min
